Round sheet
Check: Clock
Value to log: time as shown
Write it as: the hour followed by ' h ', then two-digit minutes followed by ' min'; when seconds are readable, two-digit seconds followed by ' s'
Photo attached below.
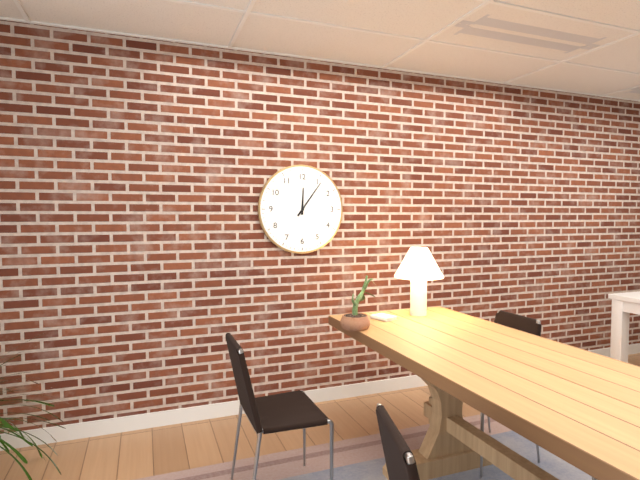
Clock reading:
12 h 06 min
